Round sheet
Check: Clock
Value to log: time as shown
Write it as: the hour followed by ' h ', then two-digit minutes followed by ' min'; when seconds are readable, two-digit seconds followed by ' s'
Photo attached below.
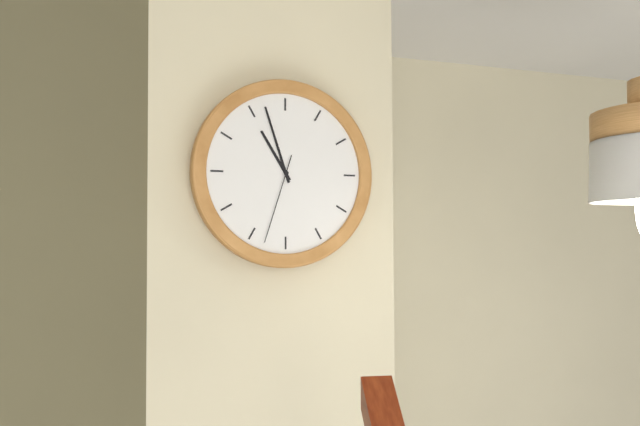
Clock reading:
10 h 57 min 33 s
